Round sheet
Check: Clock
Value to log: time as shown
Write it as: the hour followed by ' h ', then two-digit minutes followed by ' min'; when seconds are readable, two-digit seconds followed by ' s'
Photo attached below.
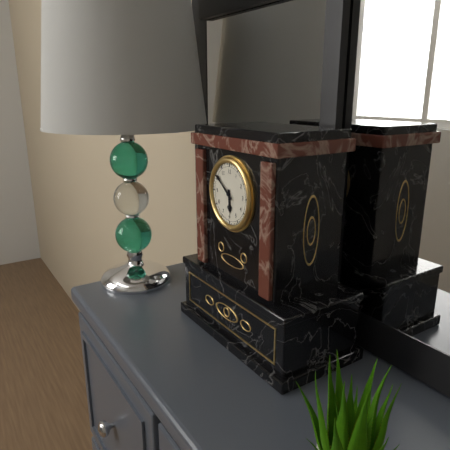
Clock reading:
5 h 51 min
